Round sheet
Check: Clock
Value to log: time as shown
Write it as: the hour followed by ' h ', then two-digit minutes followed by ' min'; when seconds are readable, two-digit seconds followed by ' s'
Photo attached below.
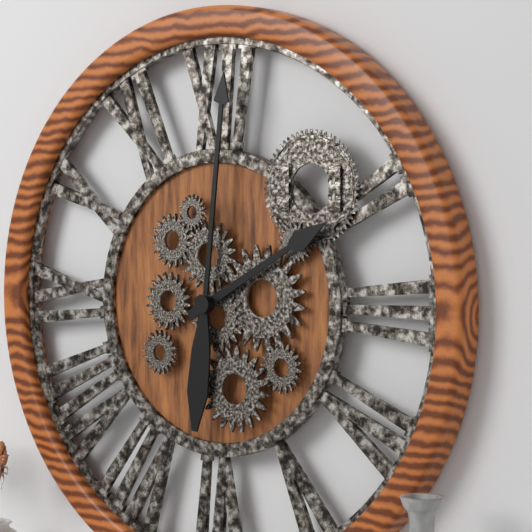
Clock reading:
2 h 01 min
